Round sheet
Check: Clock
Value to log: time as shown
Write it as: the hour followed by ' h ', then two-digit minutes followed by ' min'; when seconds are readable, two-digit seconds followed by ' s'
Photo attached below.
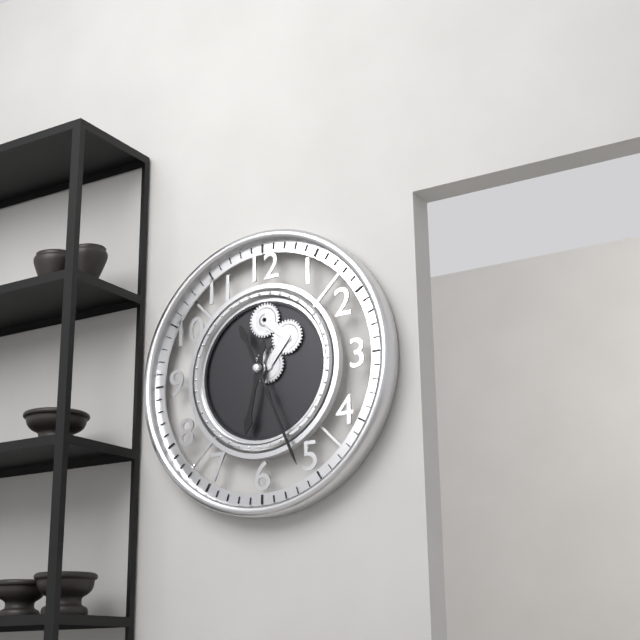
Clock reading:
6 h 26 min
